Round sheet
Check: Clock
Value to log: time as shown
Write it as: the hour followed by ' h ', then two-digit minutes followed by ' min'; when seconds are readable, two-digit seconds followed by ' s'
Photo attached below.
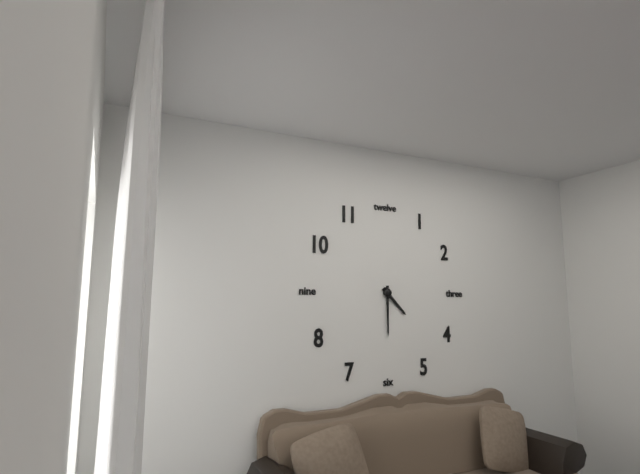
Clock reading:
4 h 30 min
